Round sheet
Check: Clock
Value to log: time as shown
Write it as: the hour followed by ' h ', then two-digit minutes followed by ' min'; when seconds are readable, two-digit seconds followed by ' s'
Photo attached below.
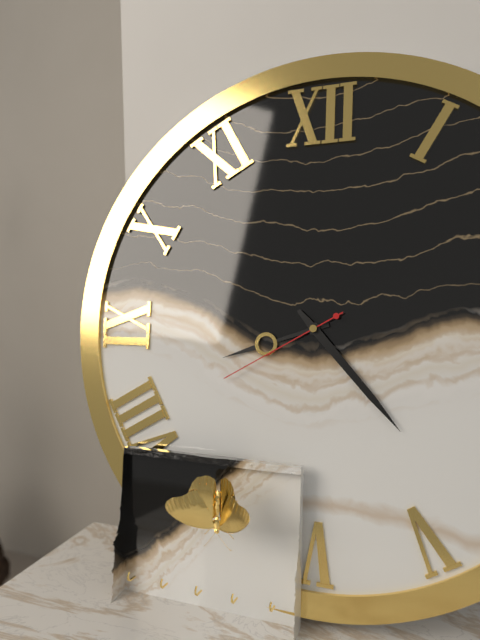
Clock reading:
8 h 23 min 40 s
